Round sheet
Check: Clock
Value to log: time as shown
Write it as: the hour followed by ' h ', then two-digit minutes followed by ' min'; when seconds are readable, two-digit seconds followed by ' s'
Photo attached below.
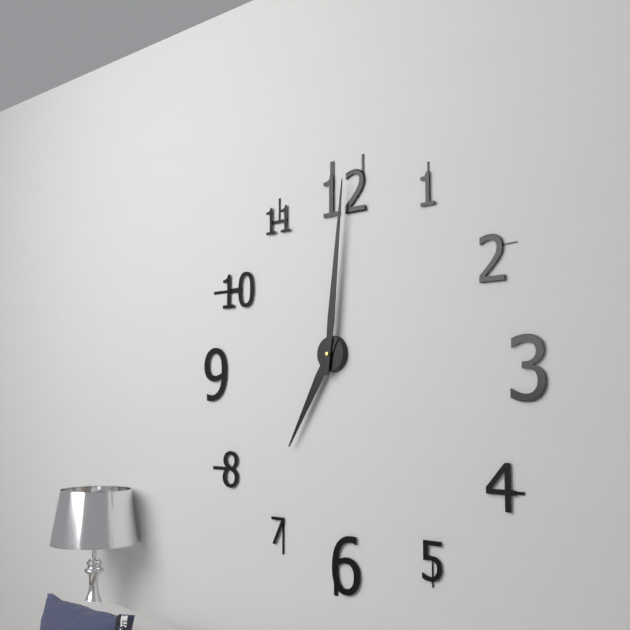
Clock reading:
7 h 01 min
